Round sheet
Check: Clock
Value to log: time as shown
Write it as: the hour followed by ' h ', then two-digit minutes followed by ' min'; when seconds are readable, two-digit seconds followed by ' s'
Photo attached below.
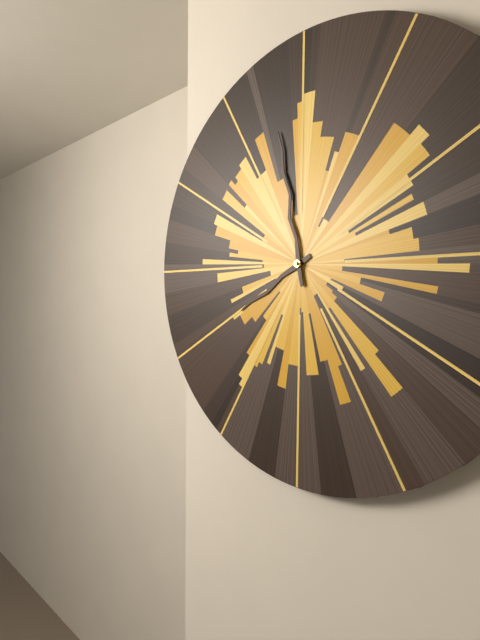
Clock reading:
7 h 58 min
